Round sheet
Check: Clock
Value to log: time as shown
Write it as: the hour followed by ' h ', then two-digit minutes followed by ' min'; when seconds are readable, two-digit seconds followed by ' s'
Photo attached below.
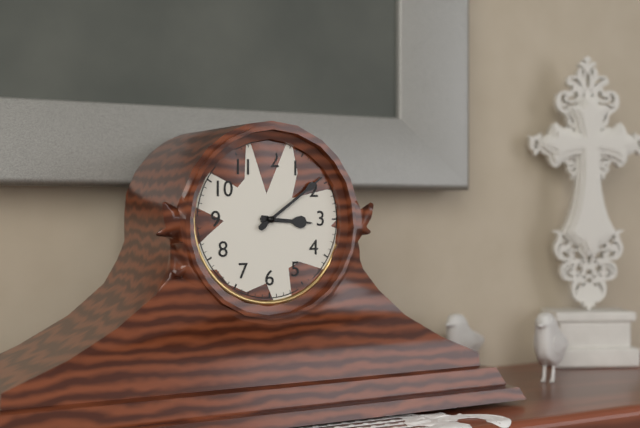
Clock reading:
3 h 09 min
